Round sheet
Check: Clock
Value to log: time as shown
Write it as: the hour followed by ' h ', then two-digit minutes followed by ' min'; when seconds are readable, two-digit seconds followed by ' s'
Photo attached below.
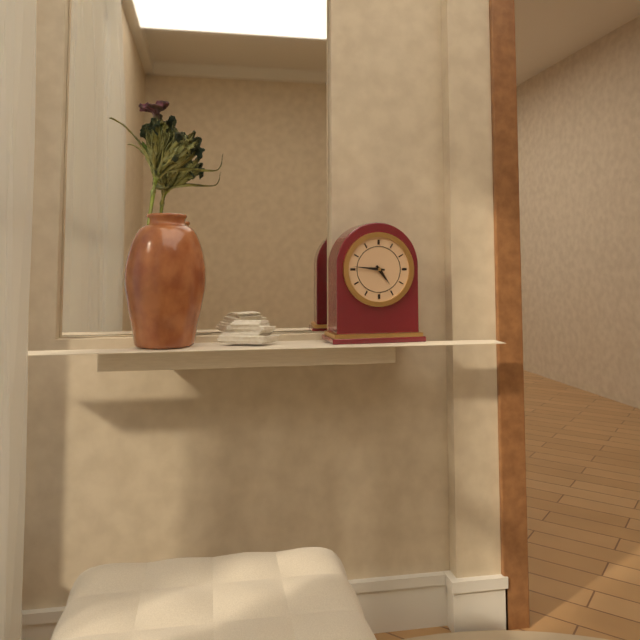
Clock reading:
4 h 46 min
